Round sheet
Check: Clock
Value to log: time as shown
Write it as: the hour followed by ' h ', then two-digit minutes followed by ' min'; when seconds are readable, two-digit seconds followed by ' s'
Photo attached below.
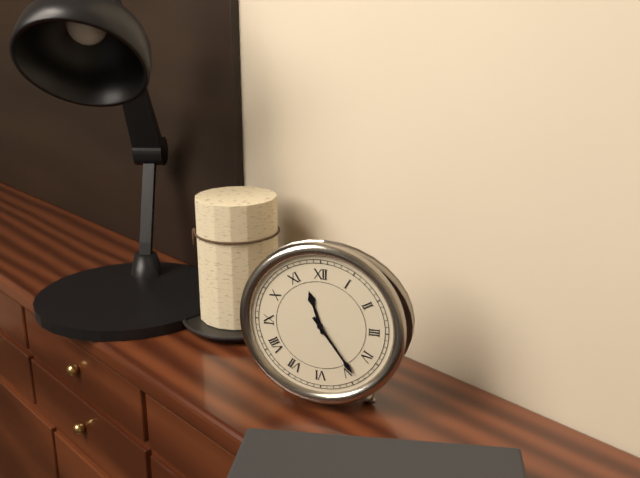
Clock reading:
11 h 24 min
